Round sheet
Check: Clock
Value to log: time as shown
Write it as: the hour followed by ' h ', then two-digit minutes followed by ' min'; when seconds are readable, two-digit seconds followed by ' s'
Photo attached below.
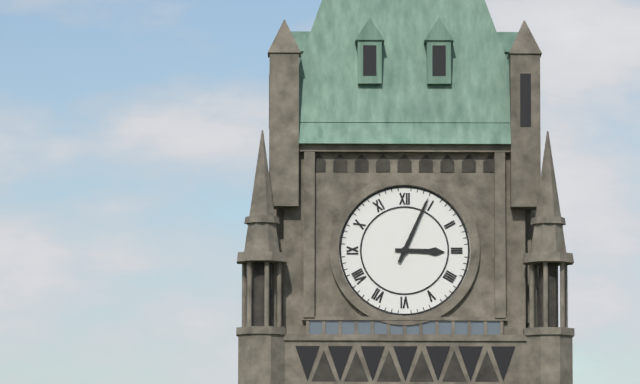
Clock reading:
3 h 04 min
